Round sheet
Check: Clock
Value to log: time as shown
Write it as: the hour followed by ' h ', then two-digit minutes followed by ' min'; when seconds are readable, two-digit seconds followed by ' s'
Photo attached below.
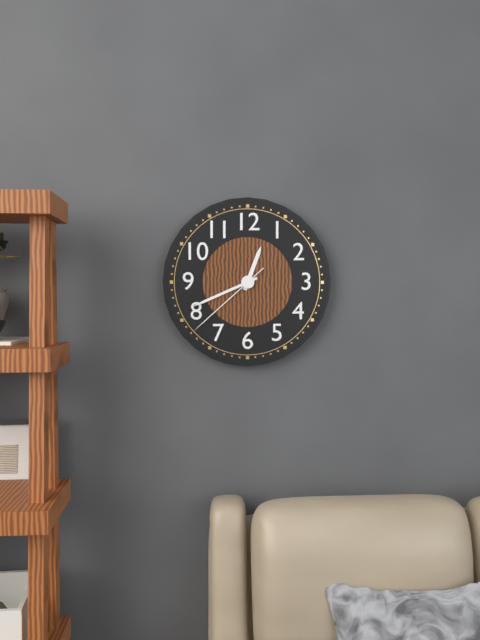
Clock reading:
12 h 41 min 38 s
